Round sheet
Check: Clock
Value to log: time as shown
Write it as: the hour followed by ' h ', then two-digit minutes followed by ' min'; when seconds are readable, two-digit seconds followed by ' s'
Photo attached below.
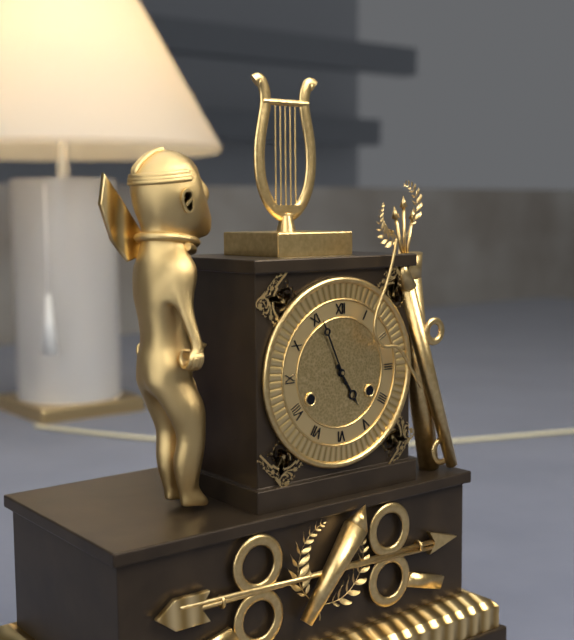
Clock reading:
4 h 56 min
